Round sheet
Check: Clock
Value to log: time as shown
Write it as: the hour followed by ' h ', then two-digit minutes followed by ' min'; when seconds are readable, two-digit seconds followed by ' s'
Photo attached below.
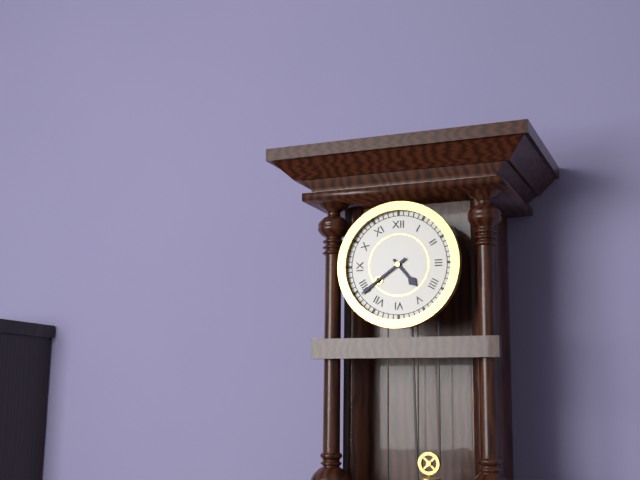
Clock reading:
4 h 39 min
